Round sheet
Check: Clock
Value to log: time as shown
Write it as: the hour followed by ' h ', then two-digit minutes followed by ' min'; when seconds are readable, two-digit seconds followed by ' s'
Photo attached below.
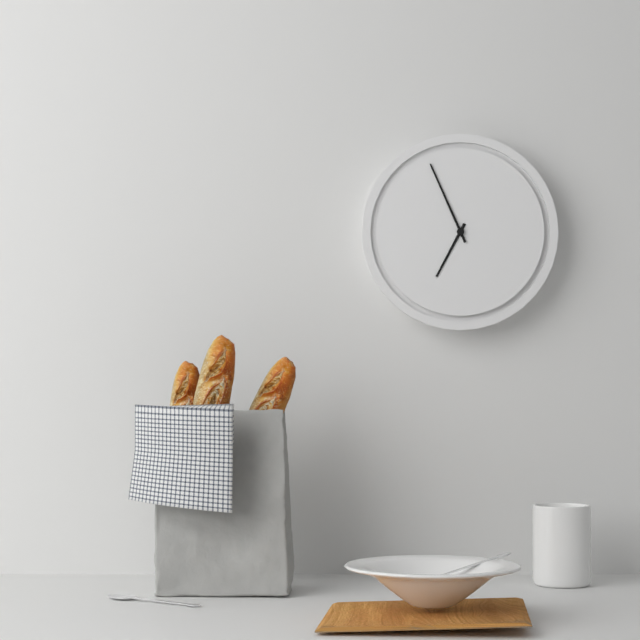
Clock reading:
6 h 56 min
